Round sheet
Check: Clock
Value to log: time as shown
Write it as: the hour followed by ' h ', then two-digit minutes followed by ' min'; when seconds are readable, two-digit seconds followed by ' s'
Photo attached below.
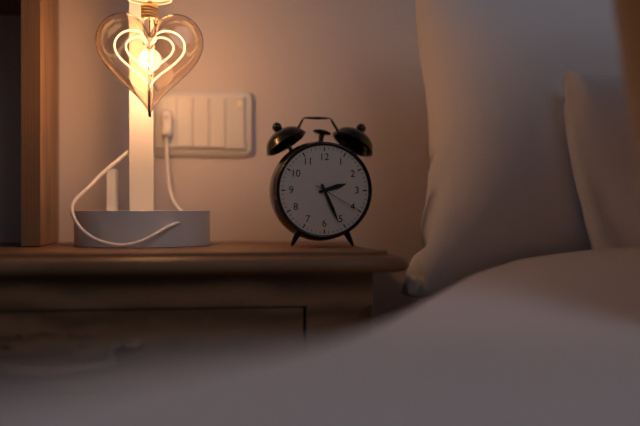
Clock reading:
2 h 26 min
